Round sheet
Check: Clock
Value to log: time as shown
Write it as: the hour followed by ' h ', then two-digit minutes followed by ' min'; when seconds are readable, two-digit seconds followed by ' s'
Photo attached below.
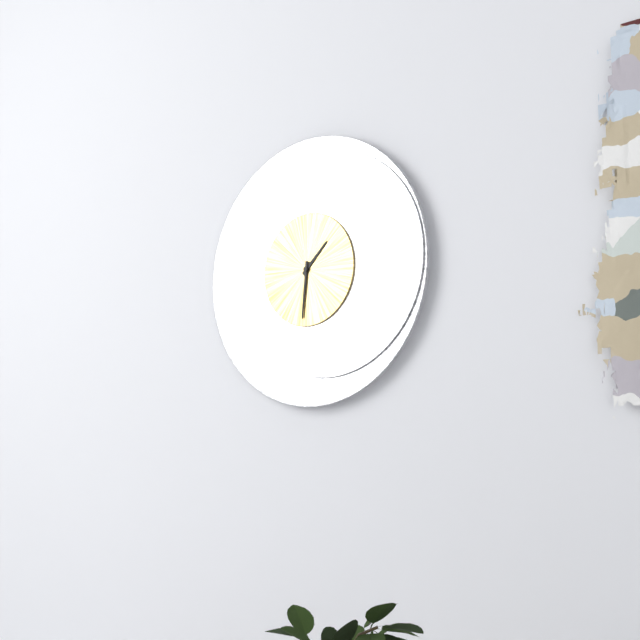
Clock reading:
1 h 31 min
